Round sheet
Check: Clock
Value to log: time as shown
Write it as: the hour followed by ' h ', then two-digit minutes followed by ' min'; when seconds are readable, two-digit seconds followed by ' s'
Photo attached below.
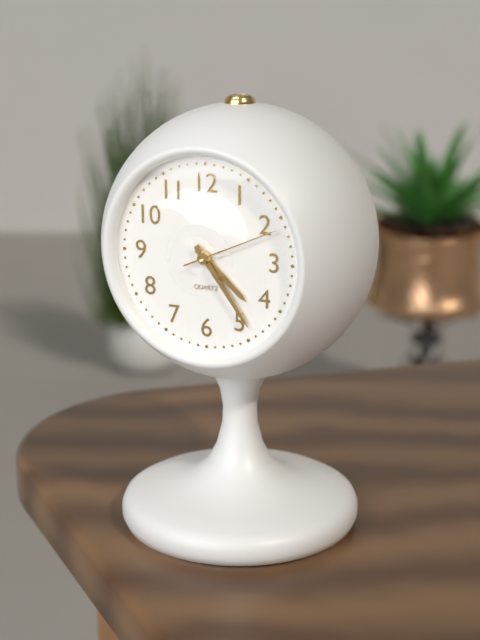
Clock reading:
4 h 24 min 11 s
